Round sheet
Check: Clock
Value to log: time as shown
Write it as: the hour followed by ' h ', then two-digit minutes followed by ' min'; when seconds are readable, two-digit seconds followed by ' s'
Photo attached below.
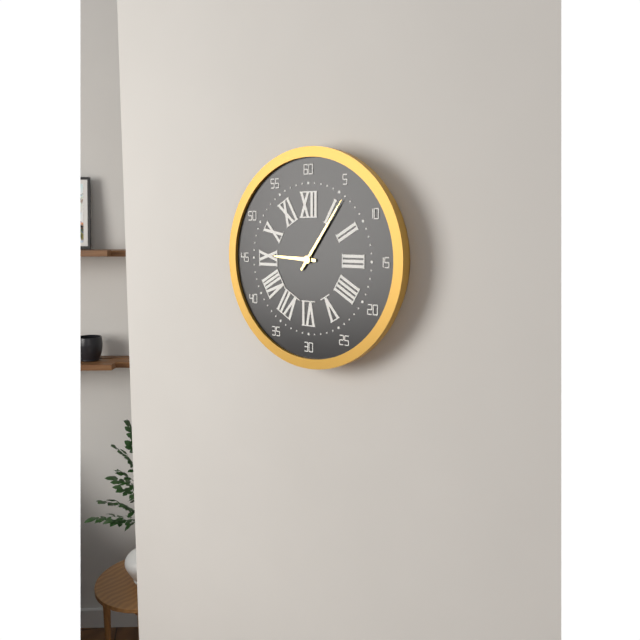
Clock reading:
9 h 06 min
